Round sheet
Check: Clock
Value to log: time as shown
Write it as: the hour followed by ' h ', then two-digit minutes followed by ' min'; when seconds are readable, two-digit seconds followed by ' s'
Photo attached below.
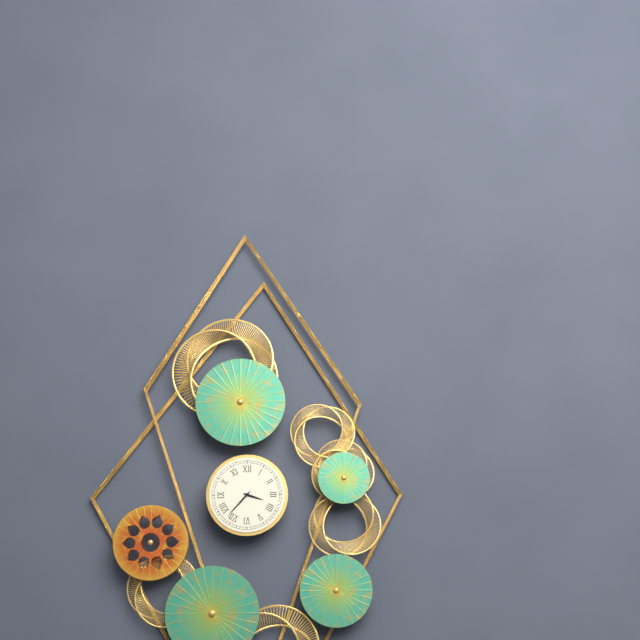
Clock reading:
3 h 37 min
